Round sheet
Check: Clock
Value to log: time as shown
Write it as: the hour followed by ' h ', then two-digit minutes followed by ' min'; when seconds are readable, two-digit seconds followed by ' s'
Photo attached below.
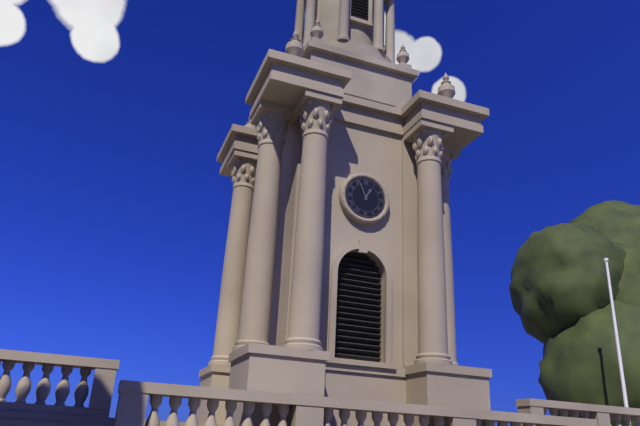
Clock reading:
12 h 56 min
